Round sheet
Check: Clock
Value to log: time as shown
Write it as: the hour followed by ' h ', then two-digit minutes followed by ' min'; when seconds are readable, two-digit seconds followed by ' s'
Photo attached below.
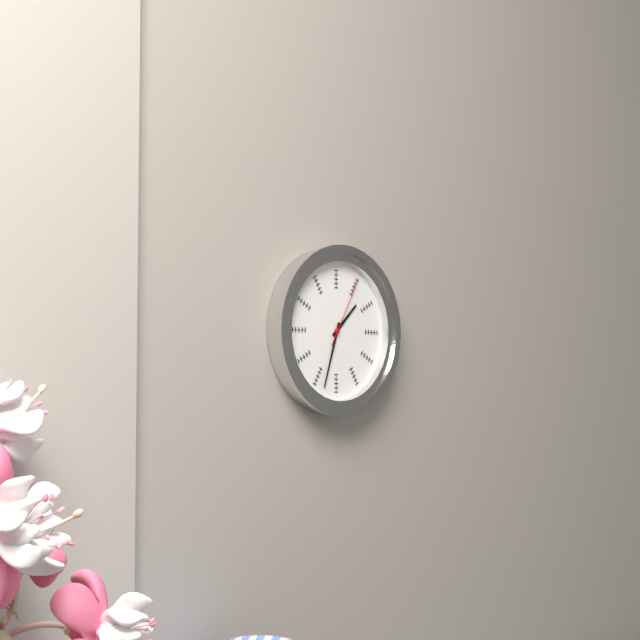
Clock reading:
1 h 33 min 05 s
